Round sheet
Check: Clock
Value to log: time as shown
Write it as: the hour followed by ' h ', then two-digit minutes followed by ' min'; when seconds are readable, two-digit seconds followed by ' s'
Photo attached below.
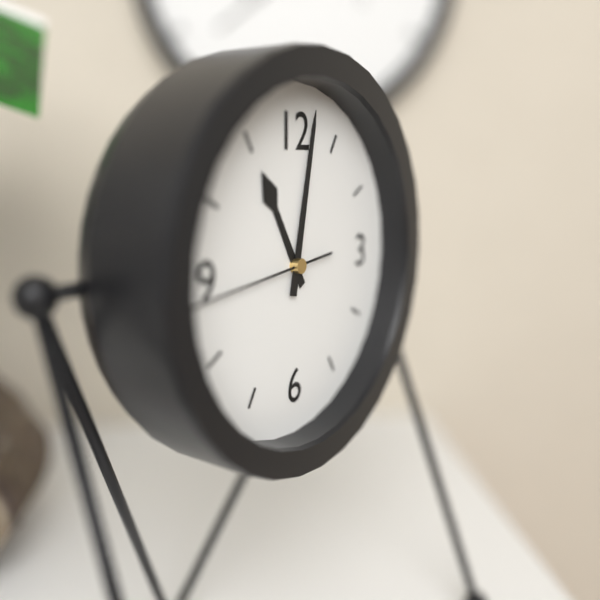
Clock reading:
11 h 02 min 44 s
